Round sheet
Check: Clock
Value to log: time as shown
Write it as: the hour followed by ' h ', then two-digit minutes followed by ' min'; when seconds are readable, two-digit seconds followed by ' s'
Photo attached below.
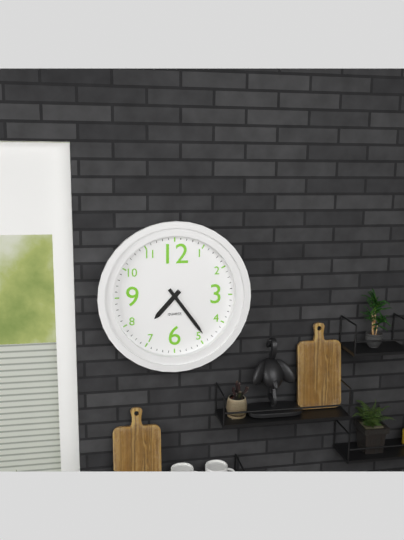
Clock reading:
7 h 24 min
